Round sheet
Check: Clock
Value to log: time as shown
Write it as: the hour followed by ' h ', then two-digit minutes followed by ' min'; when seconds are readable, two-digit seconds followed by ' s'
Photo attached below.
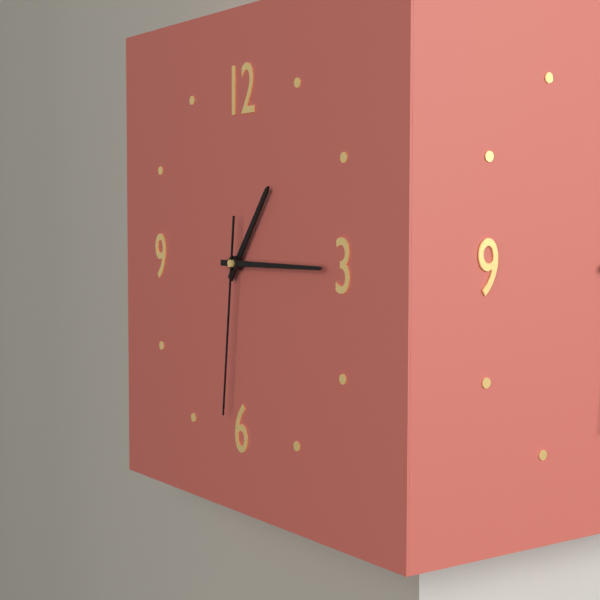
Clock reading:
1 h 15 min 31 s
